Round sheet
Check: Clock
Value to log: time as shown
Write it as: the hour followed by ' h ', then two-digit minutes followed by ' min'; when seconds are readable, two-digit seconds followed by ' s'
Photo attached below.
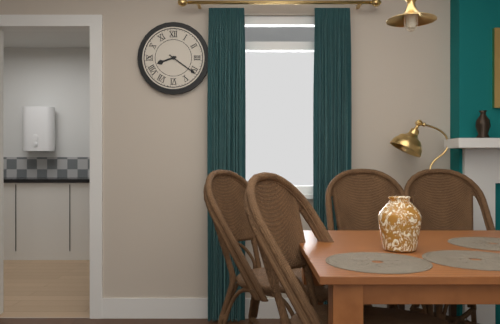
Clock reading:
8 h 21 min
